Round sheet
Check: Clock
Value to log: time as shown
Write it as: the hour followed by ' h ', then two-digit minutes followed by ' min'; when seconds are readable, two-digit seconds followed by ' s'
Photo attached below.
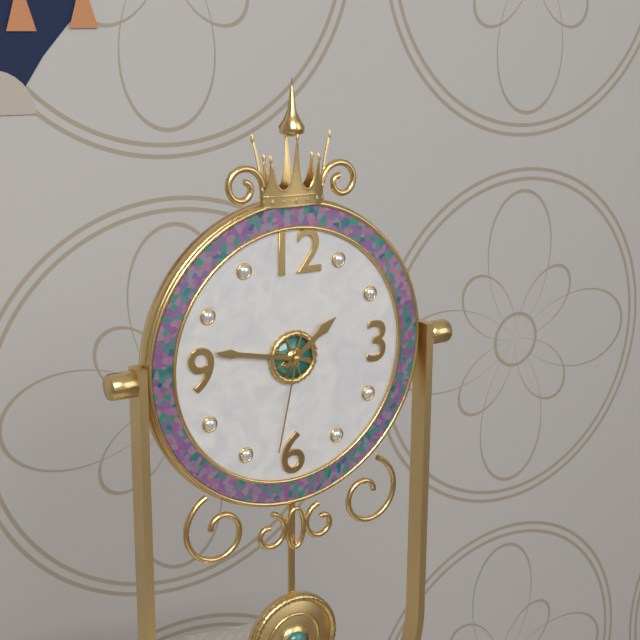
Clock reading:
1 h 47 min 32 s
